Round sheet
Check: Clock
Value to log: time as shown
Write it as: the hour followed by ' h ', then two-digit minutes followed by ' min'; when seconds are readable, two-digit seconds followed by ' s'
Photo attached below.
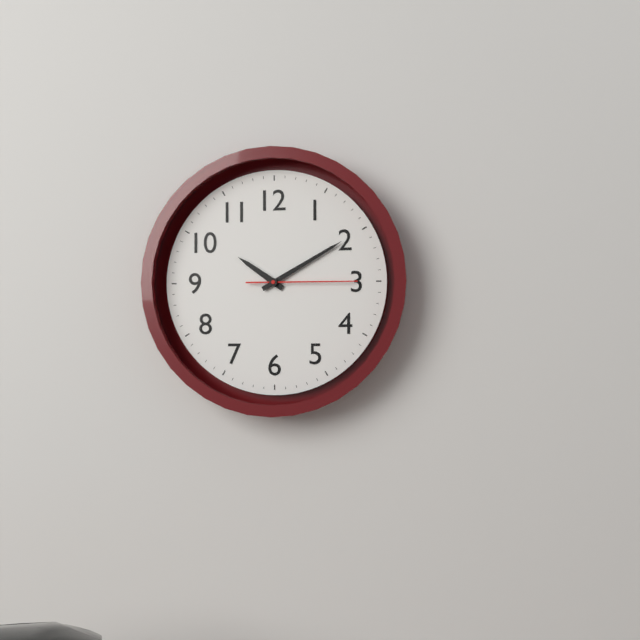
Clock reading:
10 h 10 min 15 s
